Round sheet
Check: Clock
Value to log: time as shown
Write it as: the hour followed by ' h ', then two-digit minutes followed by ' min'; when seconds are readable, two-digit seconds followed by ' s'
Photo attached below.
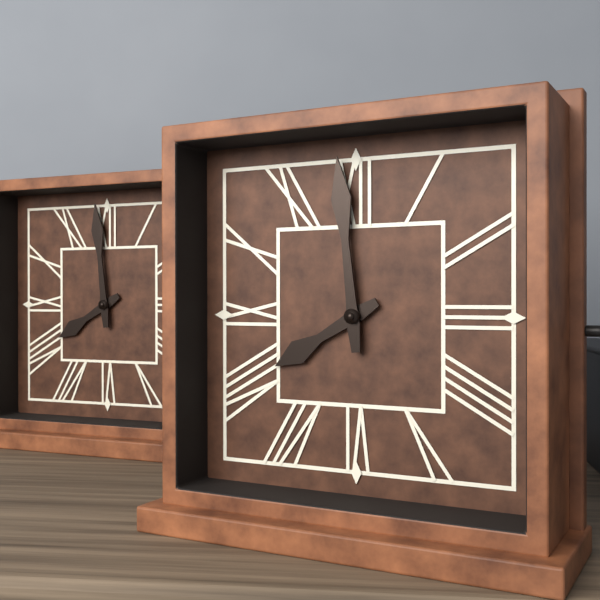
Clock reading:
7 h 59 min
